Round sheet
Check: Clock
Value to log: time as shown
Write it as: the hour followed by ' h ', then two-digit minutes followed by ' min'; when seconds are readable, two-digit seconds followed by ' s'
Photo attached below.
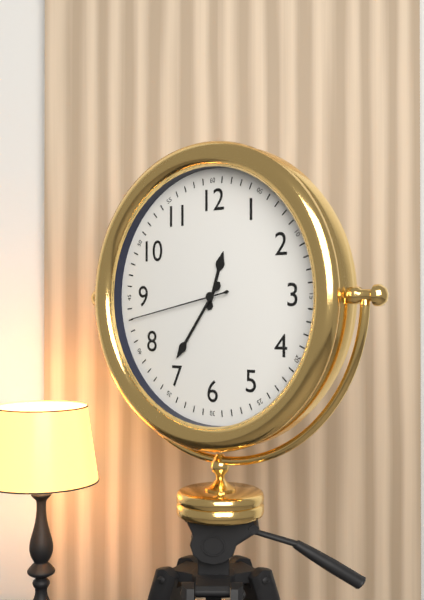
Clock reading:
12 h 36 min 43 s
